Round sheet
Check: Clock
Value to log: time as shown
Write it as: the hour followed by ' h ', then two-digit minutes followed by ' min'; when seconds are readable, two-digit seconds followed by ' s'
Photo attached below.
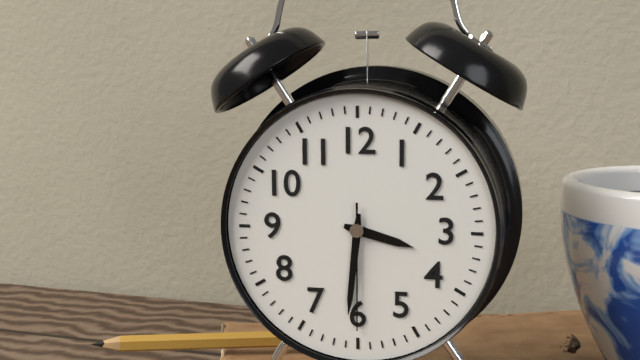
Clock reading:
3 h 31 min 30 s
